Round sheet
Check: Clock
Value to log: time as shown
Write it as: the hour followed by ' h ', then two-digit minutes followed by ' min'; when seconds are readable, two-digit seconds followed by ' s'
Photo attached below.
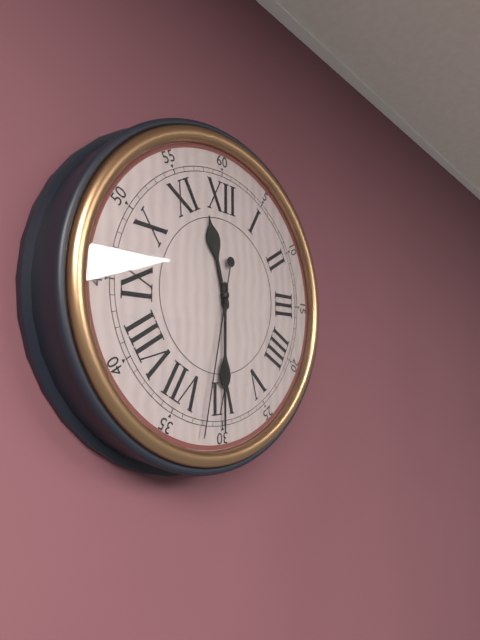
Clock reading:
11 h 30 min 32 s
